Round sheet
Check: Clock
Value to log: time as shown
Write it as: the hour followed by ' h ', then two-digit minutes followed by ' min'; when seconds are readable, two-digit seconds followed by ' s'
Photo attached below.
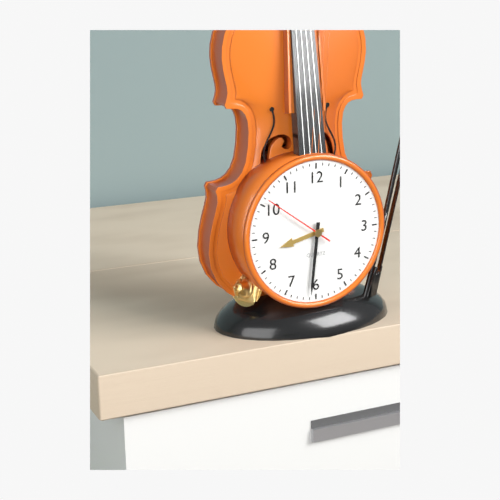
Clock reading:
8 h 31 min 51 s
